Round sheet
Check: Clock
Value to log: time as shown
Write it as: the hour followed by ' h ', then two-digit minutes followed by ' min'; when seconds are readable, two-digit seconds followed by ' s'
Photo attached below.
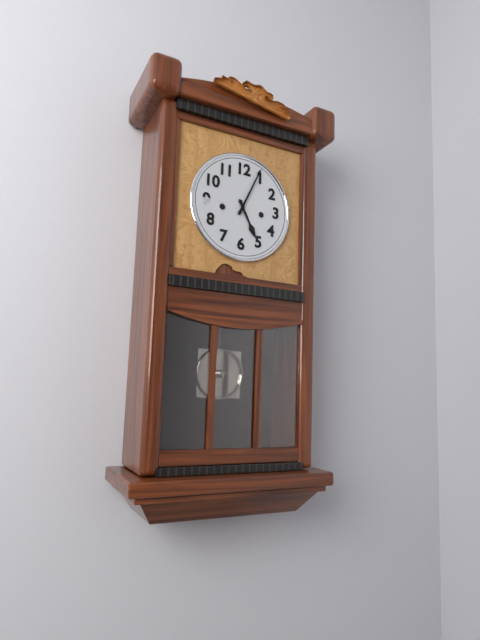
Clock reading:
5 h 04 min
